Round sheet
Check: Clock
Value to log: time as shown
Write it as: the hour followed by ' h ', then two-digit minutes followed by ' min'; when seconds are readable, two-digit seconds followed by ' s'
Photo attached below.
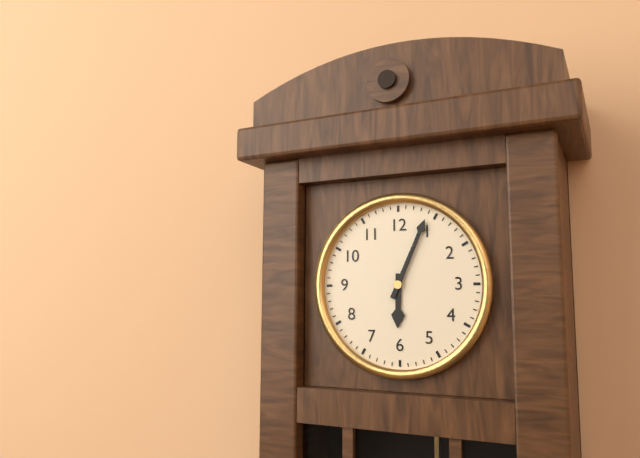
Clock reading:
6 h 04 min
